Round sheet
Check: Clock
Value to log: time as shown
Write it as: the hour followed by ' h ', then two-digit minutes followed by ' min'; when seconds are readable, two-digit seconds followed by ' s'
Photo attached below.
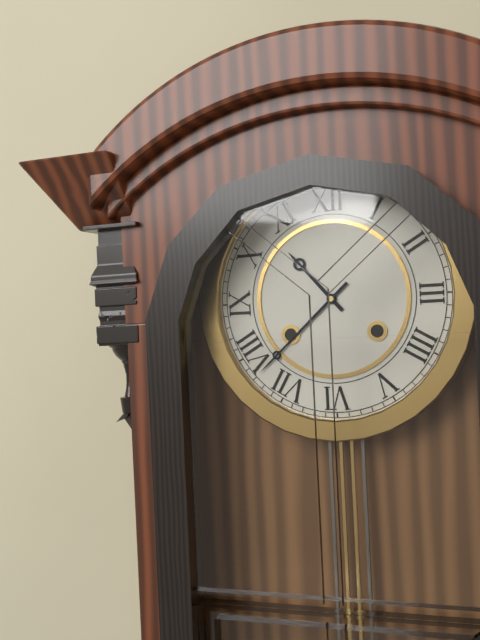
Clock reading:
10 h 38 min
